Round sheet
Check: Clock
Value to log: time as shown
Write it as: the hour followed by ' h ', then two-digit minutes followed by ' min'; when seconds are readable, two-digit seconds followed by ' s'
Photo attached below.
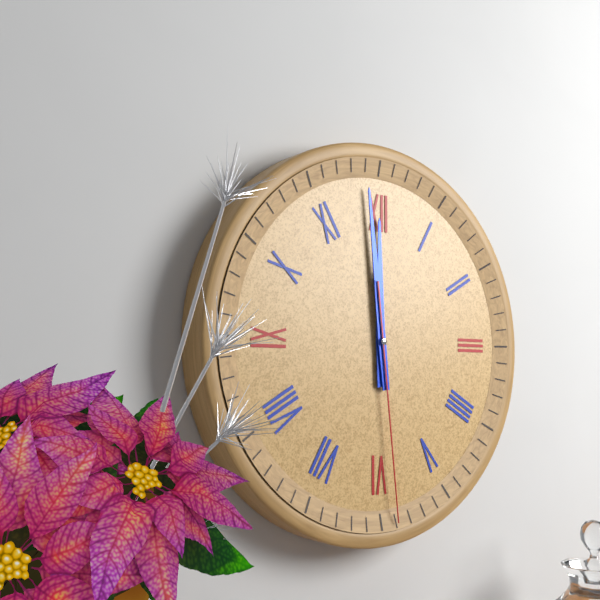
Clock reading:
11 h 59 min 29 s
